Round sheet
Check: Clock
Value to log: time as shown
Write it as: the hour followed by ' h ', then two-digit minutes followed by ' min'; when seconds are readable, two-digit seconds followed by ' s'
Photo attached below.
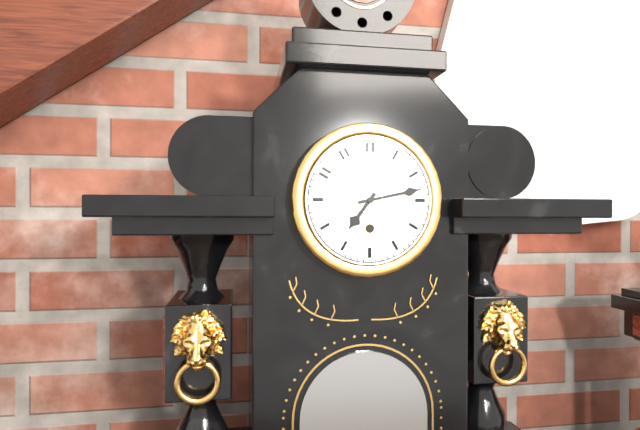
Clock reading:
7 h 13 min
